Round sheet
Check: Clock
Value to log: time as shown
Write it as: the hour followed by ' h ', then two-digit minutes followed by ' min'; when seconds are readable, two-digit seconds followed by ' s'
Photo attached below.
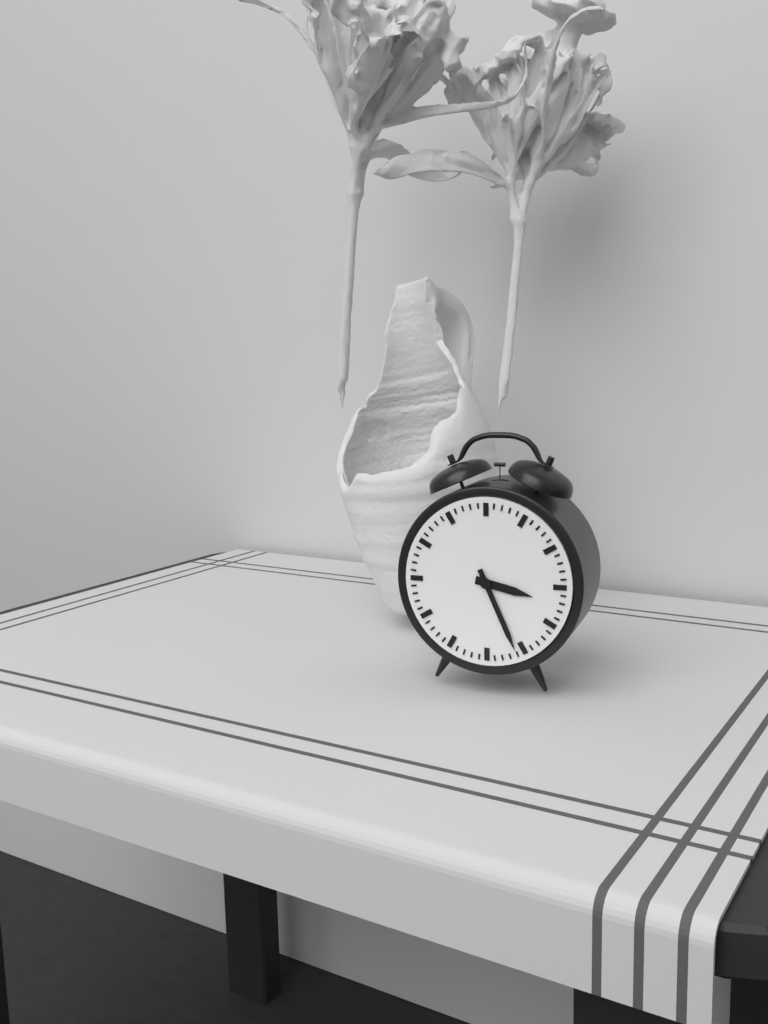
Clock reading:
3 h 26 min
